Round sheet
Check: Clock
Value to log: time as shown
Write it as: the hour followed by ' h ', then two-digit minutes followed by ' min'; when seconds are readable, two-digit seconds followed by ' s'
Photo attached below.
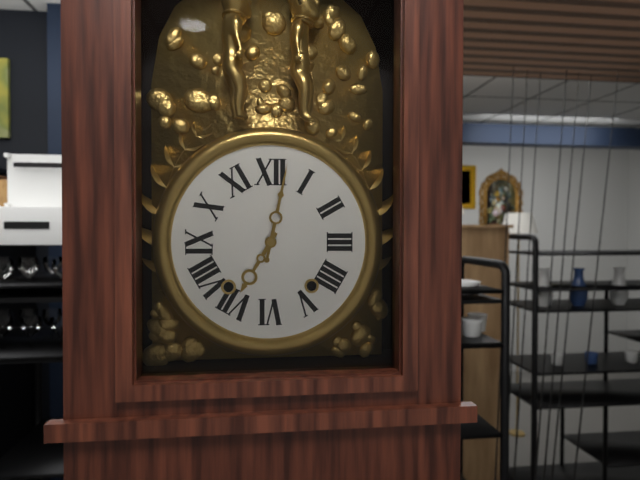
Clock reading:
7 h 02 min
